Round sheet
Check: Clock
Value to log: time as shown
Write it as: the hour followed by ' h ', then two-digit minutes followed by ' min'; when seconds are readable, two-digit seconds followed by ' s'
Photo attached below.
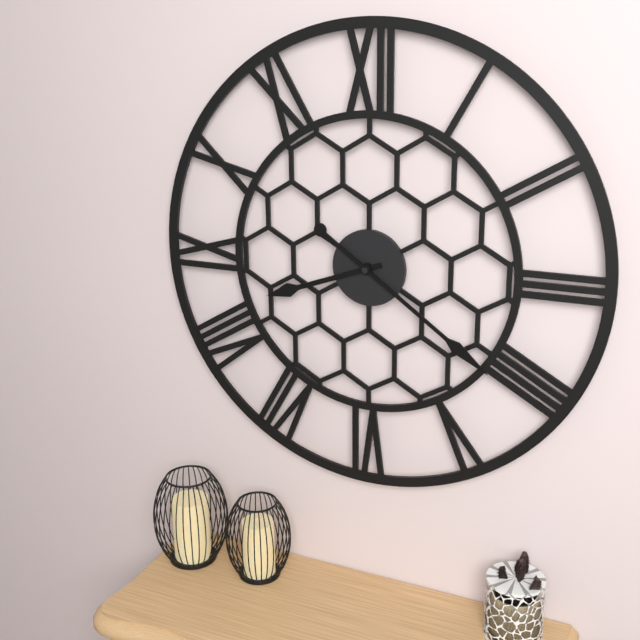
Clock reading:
8 h 21 min
